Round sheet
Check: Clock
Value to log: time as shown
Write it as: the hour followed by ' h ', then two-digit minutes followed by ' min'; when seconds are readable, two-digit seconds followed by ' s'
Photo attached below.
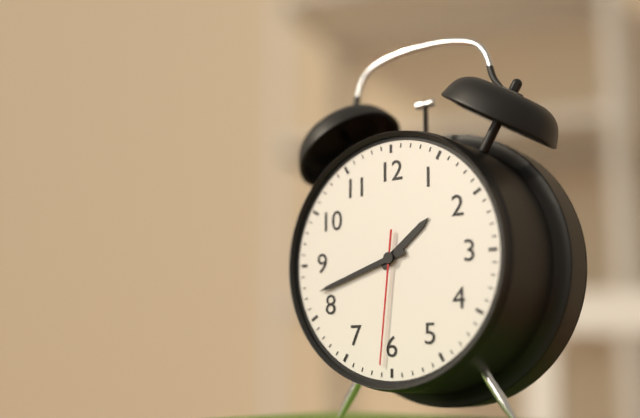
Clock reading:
1 h 42 min 31 s
